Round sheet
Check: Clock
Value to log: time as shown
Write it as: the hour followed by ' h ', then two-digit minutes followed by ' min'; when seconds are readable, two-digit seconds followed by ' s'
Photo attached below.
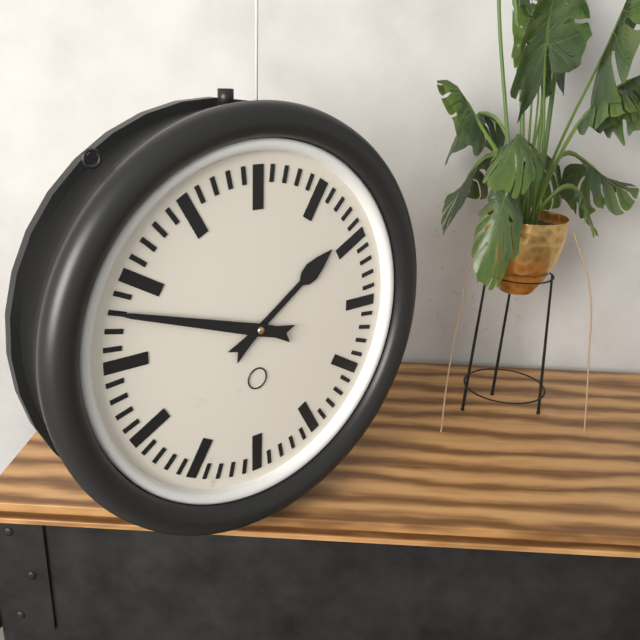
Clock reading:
1 h 48 min
